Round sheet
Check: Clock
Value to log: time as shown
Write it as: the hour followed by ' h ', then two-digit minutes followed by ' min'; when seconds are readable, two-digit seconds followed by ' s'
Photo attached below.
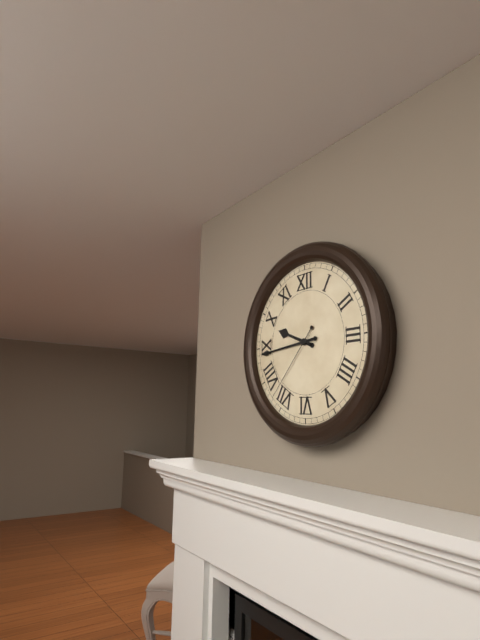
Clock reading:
9 h 44 min 37 s
